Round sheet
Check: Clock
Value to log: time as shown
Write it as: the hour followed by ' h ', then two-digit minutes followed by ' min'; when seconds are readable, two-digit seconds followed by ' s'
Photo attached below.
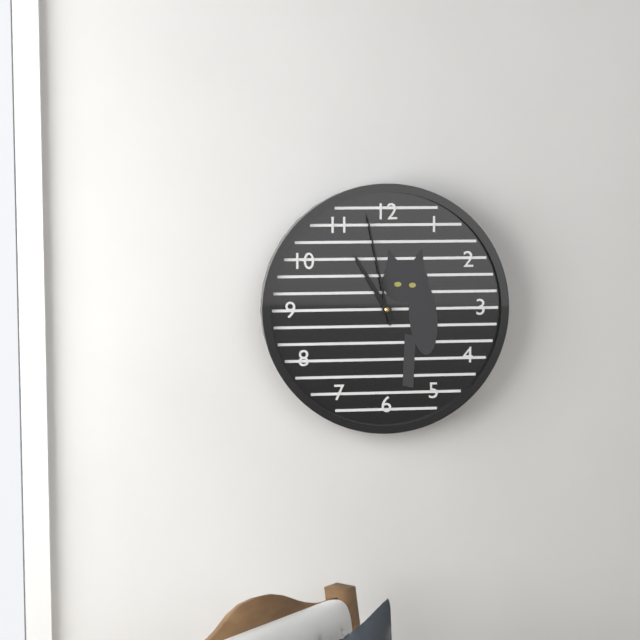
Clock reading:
10 h 58 min
